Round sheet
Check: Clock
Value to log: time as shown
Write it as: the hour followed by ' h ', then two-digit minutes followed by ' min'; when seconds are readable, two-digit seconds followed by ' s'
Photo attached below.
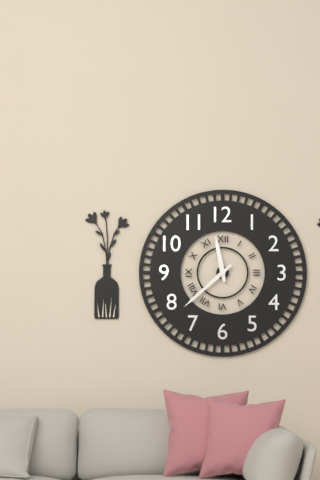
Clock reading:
11 h 38 min
